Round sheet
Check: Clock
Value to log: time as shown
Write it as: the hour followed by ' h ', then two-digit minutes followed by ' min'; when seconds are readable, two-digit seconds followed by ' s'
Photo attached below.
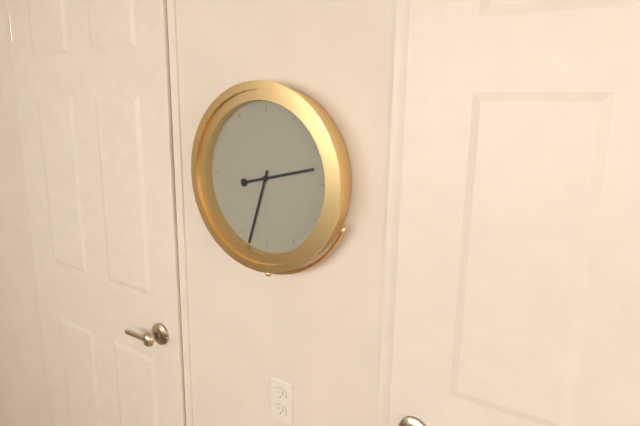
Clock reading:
2 h 33 min
